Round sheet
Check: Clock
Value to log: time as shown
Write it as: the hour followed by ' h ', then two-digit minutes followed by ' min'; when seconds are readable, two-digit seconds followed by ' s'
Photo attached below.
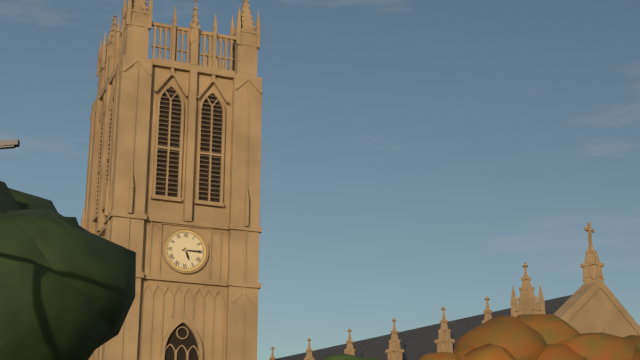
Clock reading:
5 h 15 min
